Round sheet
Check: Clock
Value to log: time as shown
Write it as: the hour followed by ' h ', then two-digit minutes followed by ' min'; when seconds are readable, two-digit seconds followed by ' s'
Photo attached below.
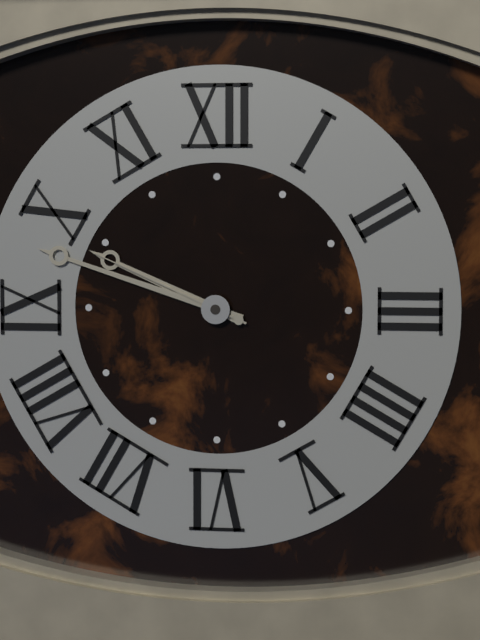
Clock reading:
9 h 48 min 49 s
